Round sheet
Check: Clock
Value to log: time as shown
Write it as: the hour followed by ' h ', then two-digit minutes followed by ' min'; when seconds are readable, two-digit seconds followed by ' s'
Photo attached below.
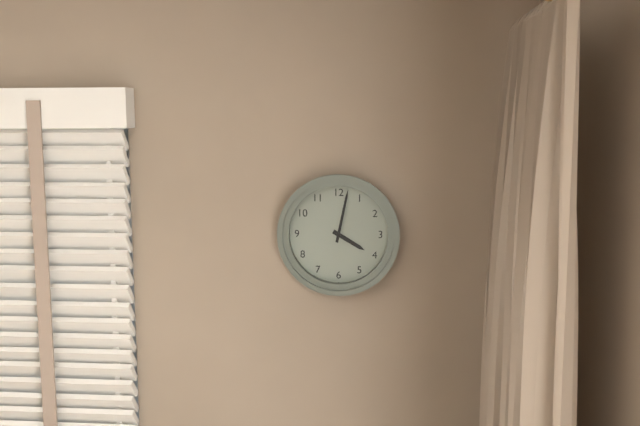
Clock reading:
4 h 02 min
